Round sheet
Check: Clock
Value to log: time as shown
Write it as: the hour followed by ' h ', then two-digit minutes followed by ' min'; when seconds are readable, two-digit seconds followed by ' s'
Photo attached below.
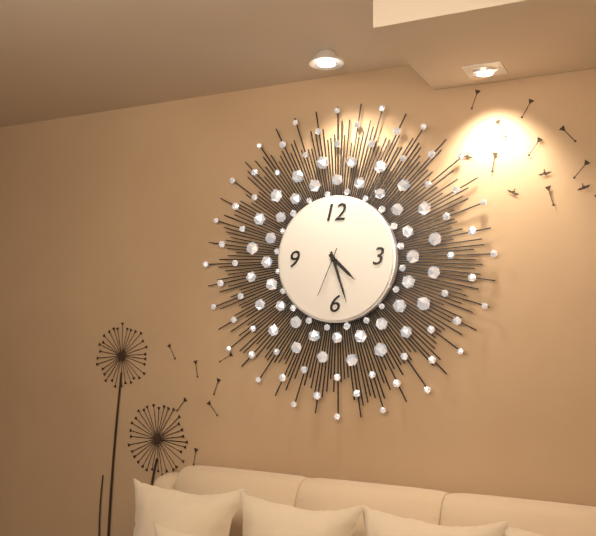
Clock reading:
4 h 27 min 34 s
